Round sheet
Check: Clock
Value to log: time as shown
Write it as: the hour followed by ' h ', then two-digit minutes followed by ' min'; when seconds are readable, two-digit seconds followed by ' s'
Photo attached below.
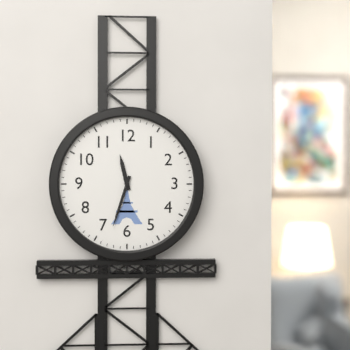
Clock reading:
11 h 33 min
